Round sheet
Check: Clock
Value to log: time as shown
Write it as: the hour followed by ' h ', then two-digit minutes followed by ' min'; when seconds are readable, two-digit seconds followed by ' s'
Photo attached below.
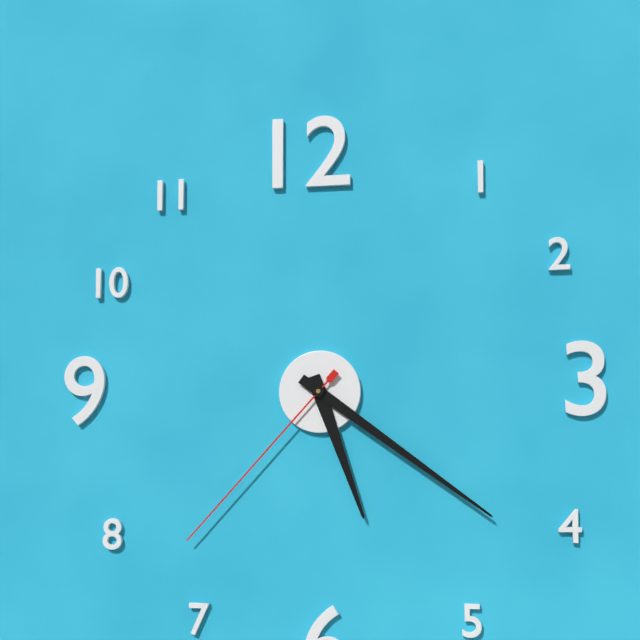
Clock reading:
5 h 21 min 37 s
